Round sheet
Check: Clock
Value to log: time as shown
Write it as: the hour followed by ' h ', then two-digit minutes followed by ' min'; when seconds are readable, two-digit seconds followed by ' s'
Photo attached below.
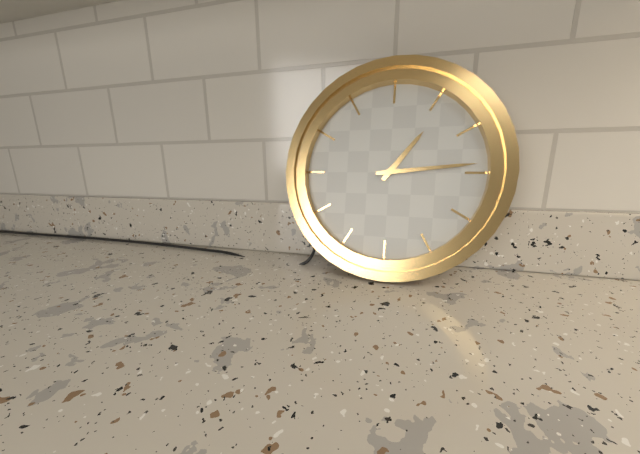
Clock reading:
1 h 14 min
